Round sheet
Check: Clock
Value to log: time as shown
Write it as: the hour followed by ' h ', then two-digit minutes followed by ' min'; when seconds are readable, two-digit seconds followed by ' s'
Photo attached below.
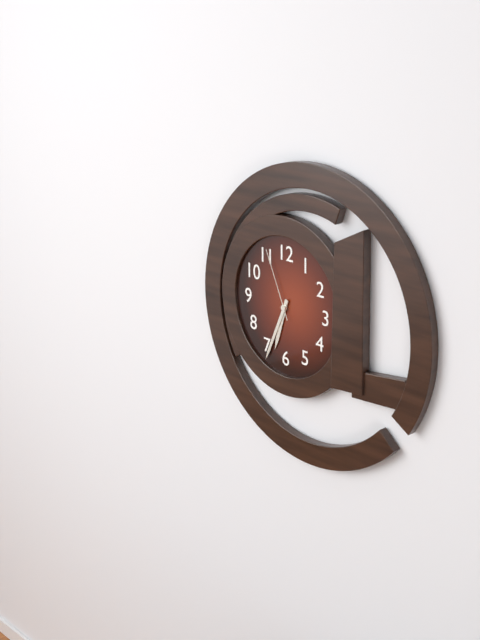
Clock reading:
6 h 34 min 56 s
